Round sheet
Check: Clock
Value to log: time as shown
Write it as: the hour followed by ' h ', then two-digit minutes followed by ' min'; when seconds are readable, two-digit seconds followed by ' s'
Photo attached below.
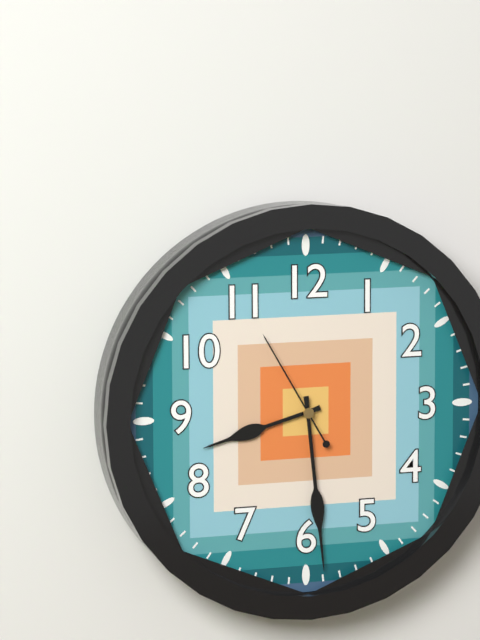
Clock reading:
8 h 29 min 55 s
